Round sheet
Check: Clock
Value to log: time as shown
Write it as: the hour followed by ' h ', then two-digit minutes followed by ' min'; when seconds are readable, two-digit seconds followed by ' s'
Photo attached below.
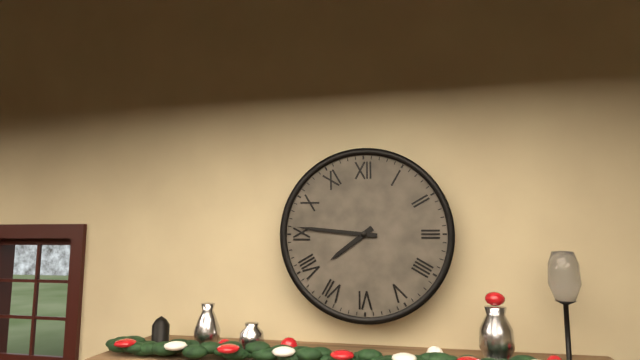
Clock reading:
7 h 46 min
